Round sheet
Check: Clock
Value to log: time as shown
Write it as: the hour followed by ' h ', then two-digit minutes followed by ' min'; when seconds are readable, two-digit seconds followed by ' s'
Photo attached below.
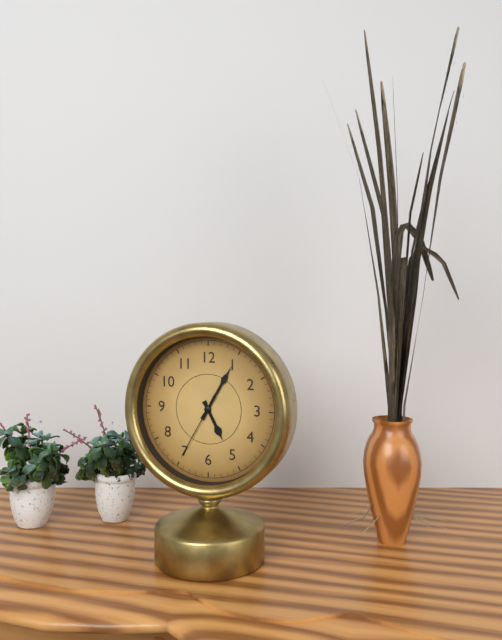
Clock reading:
5 h 05 min 35 s
